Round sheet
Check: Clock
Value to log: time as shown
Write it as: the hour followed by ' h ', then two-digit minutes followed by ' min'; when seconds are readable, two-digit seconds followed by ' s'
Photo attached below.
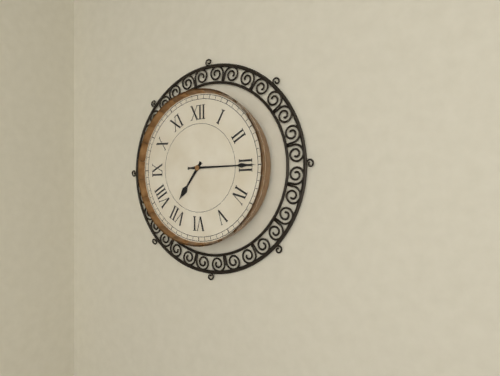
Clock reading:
7 h 15 min
